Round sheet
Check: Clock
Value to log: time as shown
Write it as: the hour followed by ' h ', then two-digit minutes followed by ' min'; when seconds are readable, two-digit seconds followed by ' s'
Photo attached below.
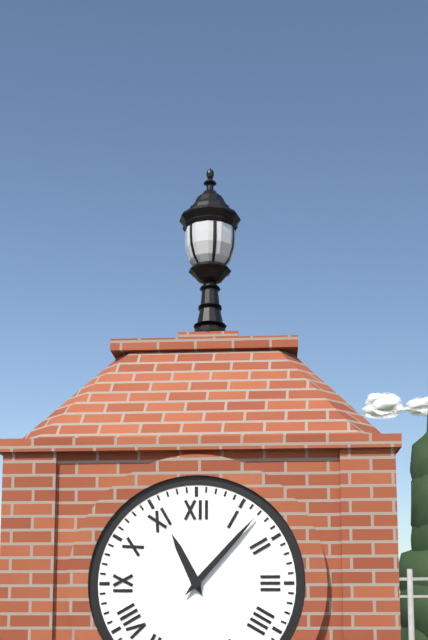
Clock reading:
11 h 07 min
